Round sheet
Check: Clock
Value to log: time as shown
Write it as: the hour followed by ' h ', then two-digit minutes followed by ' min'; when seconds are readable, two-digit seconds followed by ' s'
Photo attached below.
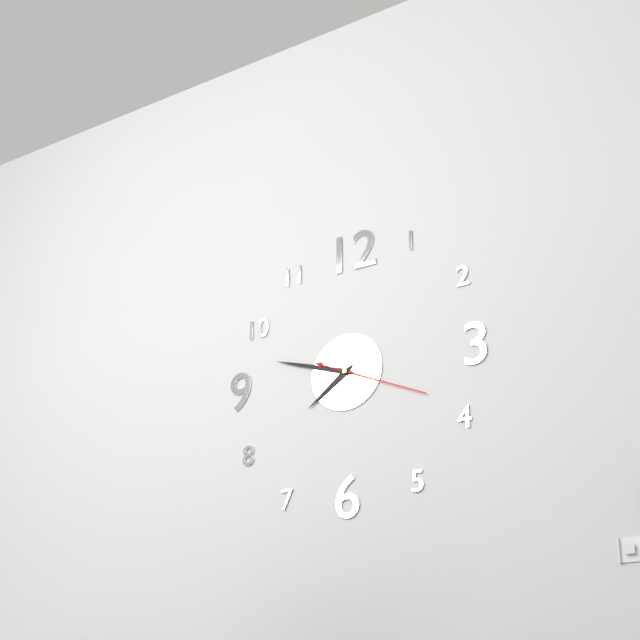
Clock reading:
7 h 48 min 19 s
